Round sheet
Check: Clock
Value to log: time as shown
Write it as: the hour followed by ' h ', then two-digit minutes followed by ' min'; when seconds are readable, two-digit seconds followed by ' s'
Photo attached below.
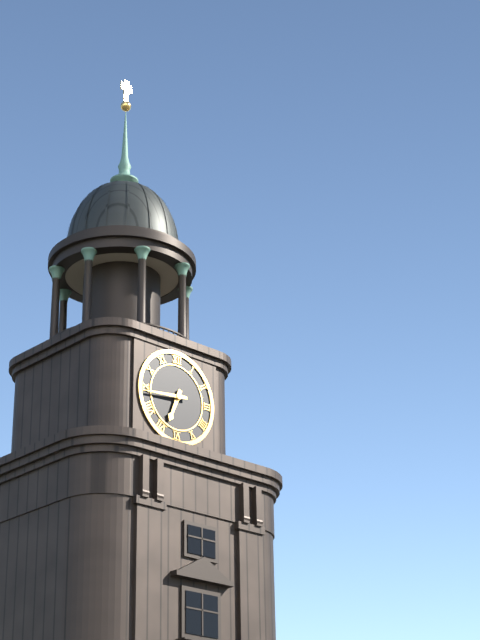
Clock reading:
6 h 44 min
